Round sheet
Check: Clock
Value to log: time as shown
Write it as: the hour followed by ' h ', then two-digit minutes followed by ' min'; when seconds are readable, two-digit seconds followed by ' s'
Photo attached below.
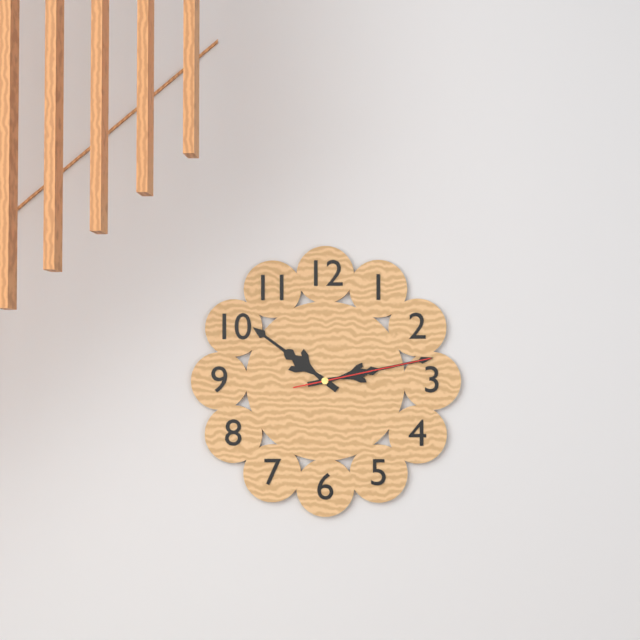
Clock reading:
10 h 13 min 13 s
